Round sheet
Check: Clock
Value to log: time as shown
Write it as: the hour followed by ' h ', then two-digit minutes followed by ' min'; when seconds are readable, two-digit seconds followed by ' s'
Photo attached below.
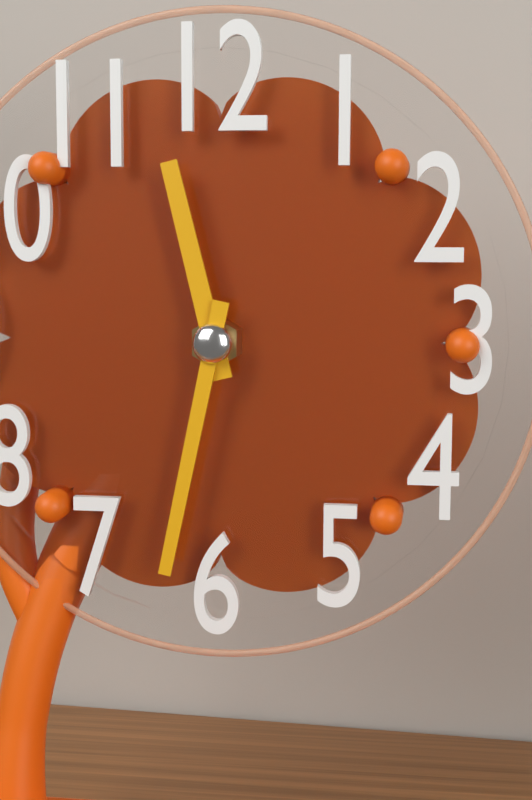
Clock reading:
11 h 32 min
